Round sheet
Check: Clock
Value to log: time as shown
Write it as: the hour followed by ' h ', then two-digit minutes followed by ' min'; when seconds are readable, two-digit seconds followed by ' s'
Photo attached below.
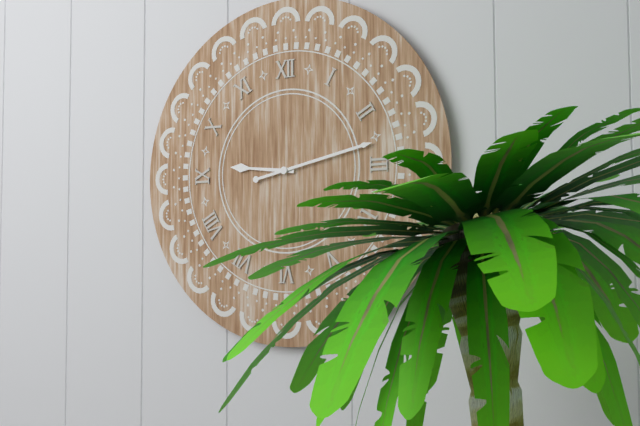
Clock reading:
9 h 13 min
